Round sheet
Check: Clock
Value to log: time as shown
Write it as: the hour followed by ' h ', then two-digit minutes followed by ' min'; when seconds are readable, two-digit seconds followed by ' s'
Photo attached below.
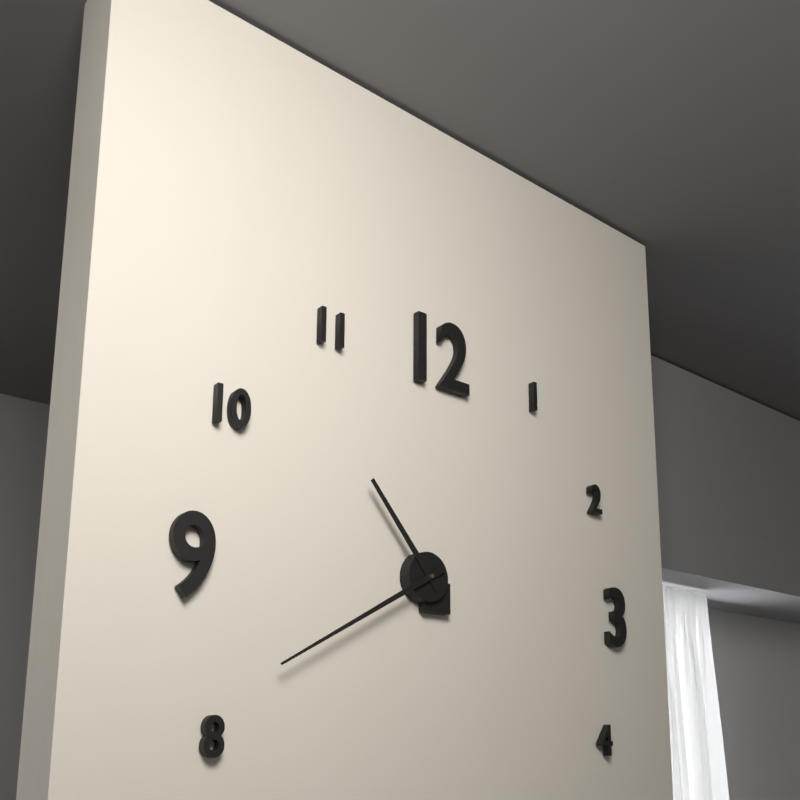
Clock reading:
10 h 40 min
